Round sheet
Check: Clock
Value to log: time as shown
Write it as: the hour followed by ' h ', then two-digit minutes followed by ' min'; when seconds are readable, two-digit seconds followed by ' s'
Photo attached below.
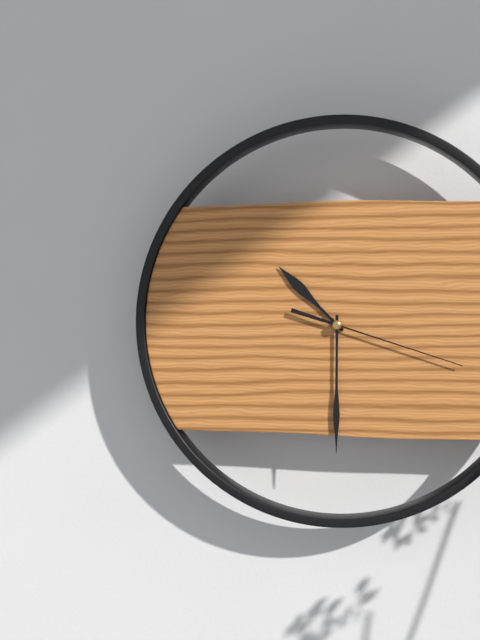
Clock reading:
10 h 30 min 18 s
